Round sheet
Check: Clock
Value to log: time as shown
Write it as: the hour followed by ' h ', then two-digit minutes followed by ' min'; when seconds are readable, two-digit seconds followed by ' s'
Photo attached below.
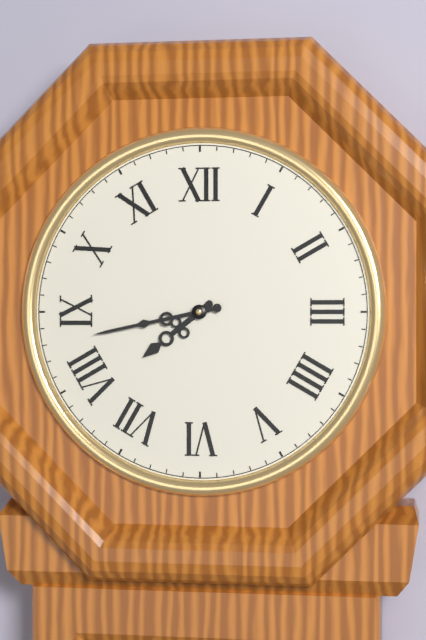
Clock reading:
7 h 43 min
